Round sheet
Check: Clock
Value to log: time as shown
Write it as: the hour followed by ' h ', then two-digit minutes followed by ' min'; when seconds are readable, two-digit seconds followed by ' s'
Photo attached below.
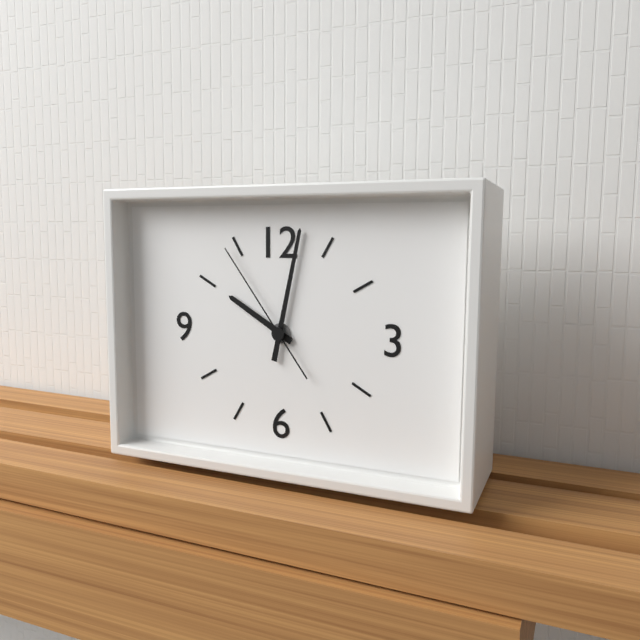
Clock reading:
10 h 02 min 54 s
